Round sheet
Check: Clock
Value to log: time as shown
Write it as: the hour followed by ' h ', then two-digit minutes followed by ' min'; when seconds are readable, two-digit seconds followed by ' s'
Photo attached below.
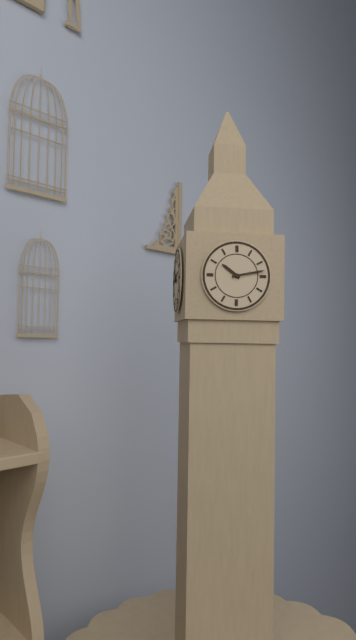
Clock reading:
10 h 13 min
